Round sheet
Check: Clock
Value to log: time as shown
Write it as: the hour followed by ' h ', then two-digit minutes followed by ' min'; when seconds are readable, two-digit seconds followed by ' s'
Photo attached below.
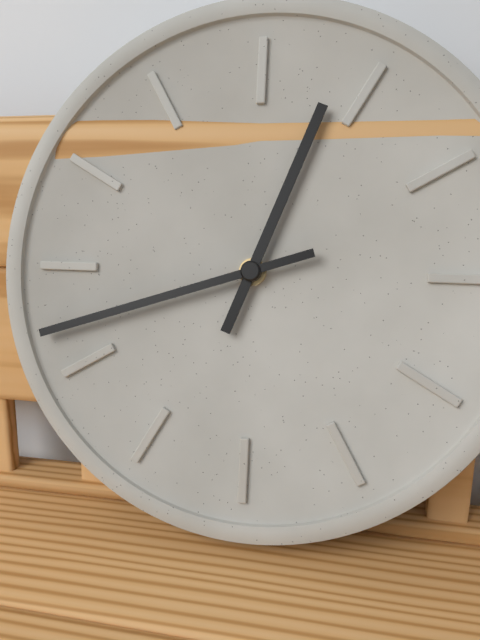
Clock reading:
12 h 42 min
